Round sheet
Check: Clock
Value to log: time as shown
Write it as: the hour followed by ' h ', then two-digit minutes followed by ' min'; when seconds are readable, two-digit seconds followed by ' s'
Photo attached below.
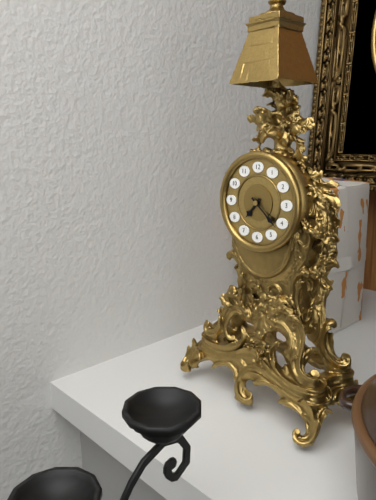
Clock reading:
7 h 22 min
